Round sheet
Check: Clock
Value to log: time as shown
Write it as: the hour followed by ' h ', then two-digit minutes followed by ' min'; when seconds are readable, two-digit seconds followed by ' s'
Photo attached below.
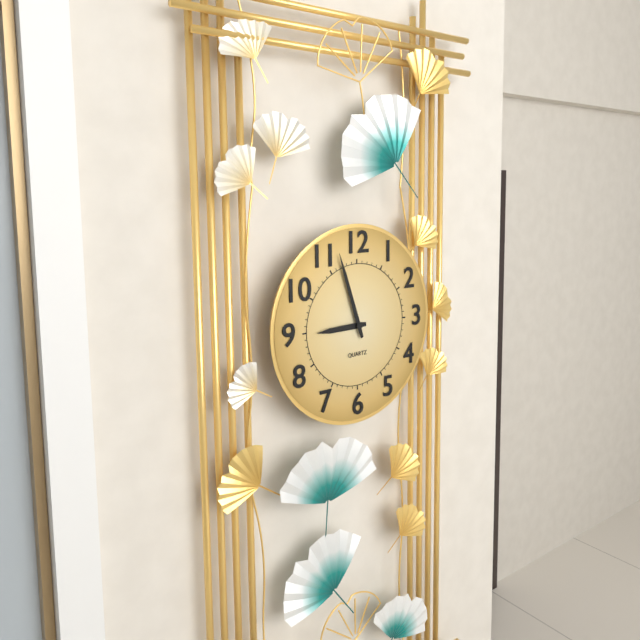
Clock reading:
8 h 57 min
